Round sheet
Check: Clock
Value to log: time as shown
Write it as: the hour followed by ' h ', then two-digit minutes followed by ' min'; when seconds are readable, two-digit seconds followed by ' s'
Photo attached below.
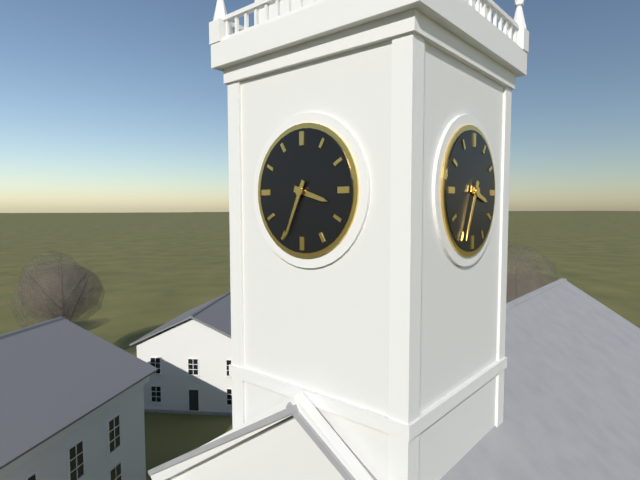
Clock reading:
3 h 34 min
